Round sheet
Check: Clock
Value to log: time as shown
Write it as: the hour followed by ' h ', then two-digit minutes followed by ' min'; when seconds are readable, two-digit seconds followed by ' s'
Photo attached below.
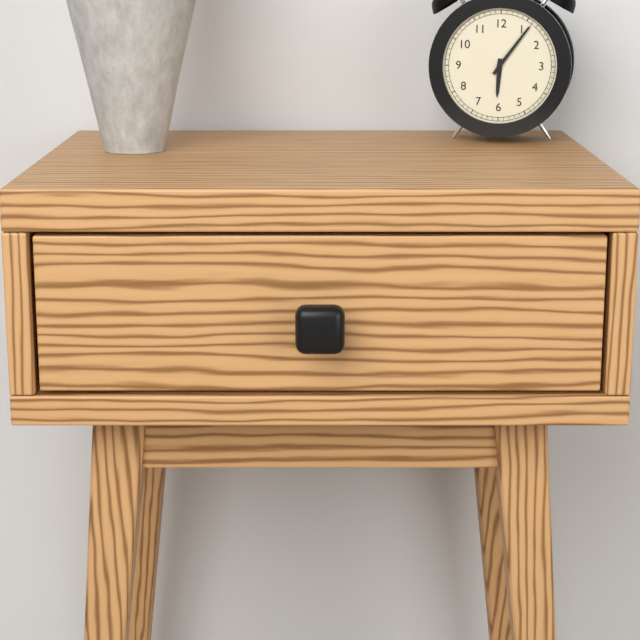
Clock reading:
6 h 06 min
